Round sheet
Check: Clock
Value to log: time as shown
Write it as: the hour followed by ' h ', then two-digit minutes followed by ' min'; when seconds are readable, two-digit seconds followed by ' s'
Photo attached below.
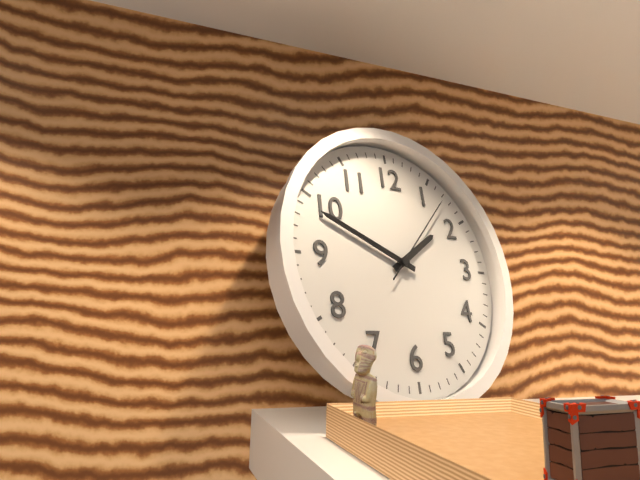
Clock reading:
1 h 49 min 07 s
